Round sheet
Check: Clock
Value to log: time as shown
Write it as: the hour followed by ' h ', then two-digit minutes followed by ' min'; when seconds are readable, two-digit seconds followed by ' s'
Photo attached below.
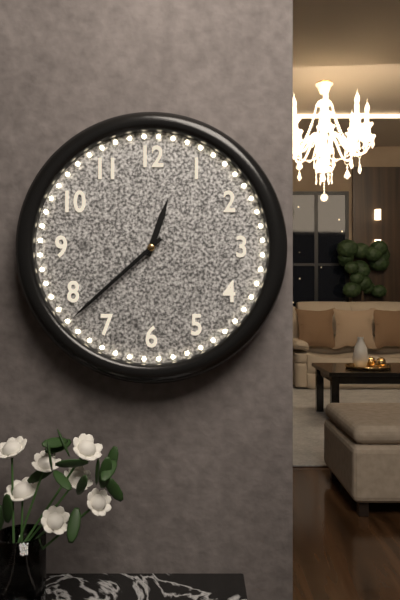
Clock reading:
12 h 38 min
